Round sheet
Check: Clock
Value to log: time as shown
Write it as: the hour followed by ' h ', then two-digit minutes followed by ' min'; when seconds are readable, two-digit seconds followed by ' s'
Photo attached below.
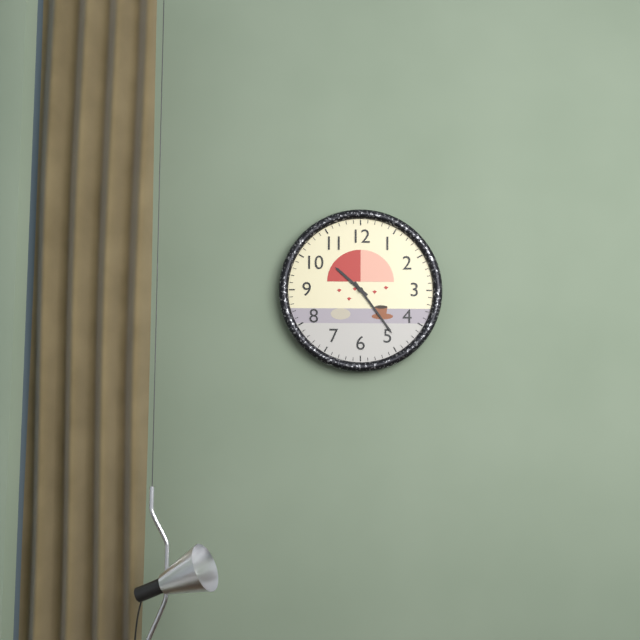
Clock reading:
10 h 24 min
